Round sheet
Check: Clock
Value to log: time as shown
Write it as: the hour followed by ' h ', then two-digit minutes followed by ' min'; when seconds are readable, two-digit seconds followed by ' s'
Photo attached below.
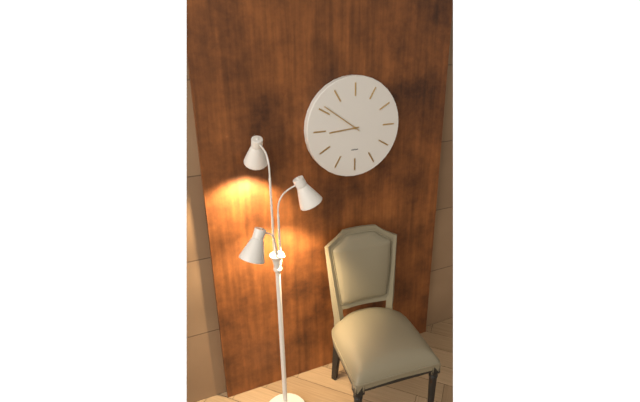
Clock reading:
8 h 51 min
